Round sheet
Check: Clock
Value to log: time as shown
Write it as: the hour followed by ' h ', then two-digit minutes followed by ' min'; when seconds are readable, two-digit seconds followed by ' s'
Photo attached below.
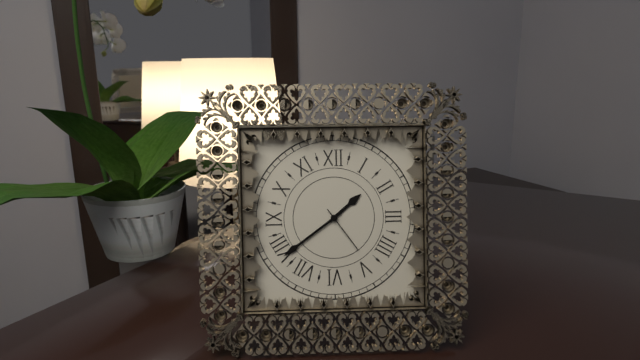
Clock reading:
1 h 39 min 24 s
